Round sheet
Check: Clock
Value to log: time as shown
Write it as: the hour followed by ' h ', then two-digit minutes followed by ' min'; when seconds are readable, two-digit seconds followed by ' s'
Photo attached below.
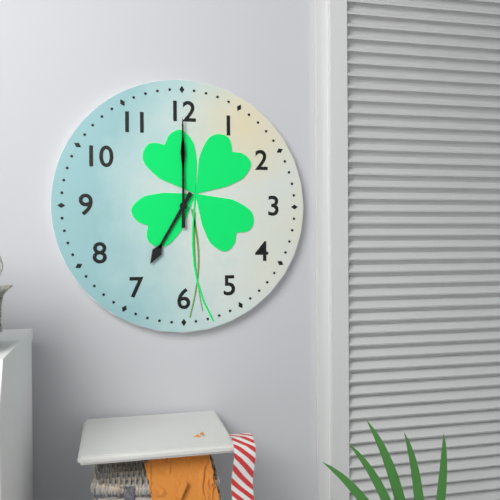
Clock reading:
7 h 00 min
